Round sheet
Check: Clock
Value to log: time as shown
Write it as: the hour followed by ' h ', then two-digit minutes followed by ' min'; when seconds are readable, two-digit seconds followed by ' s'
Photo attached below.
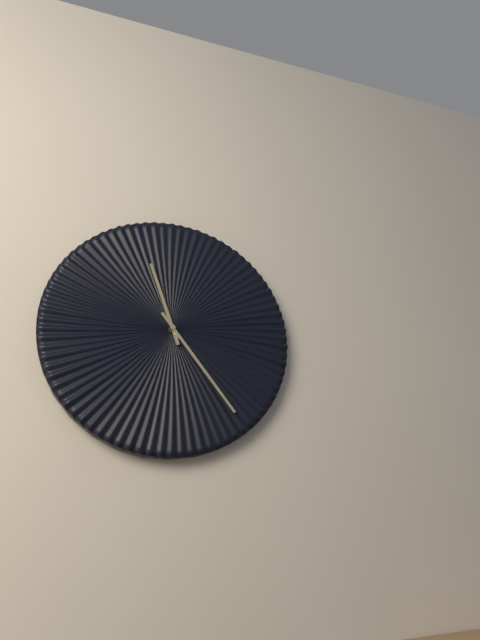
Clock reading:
11 h 24 min
